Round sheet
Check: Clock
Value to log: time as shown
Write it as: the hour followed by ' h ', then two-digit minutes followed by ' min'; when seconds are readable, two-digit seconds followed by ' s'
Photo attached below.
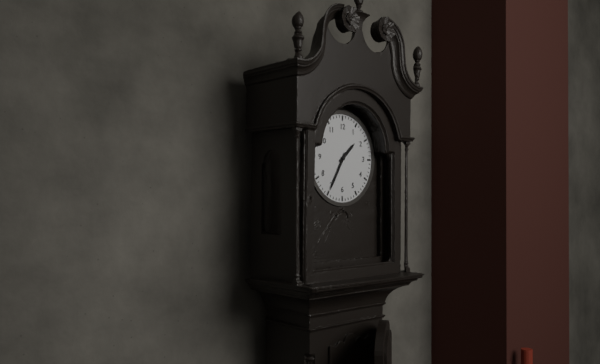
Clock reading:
1 h 35 min
